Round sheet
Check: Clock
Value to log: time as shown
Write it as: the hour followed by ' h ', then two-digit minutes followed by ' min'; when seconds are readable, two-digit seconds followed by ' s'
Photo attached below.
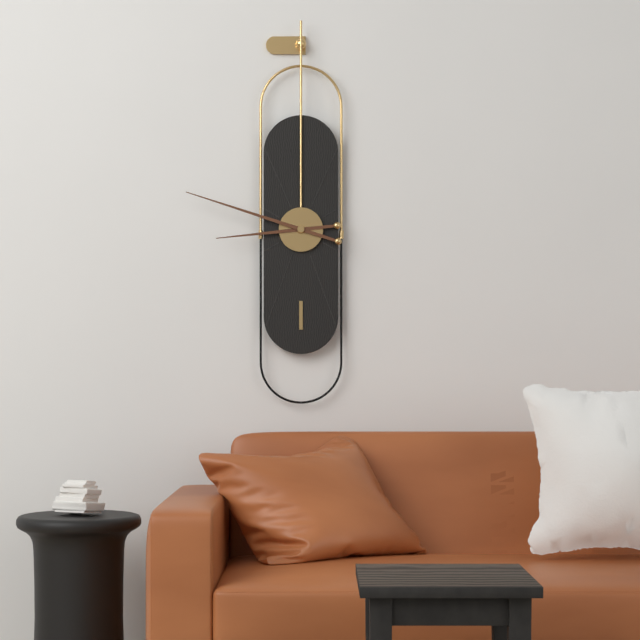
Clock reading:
8 h 48 min
